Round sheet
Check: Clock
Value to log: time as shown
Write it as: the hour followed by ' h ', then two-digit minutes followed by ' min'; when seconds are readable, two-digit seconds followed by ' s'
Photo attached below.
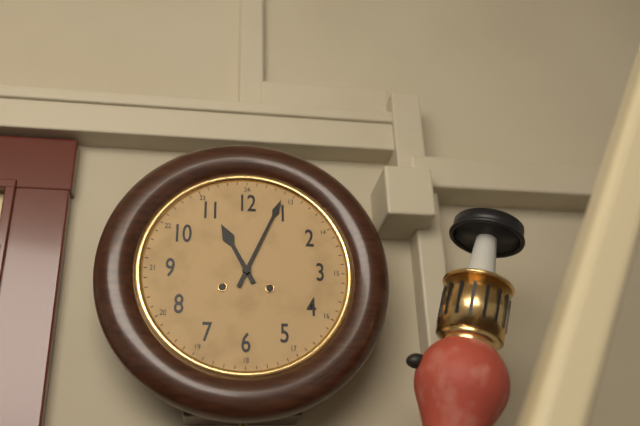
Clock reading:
11 h 04 min
